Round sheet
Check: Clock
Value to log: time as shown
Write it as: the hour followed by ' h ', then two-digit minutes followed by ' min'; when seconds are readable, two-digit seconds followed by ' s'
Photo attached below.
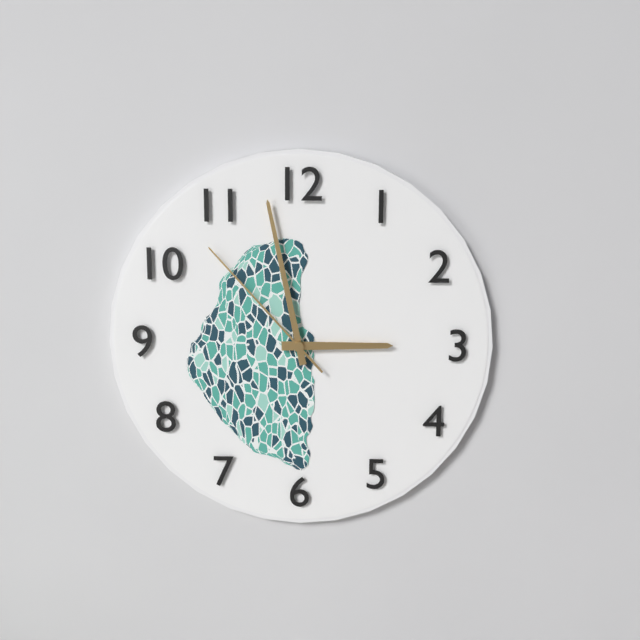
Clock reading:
2 h 58 min 53 s
